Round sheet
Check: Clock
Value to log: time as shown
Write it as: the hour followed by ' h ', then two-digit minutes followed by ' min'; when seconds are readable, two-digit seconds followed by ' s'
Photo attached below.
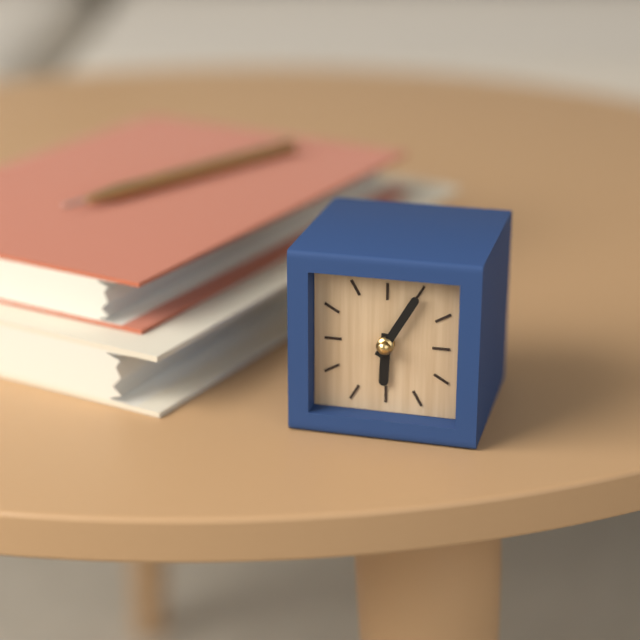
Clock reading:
6 h 05 min
